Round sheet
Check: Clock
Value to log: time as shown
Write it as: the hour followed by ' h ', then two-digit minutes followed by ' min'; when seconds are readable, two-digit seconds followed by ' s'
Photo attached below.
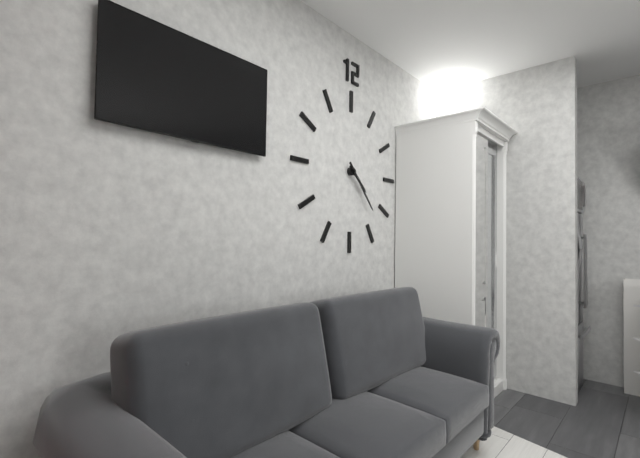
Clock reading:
4 h 23 min
